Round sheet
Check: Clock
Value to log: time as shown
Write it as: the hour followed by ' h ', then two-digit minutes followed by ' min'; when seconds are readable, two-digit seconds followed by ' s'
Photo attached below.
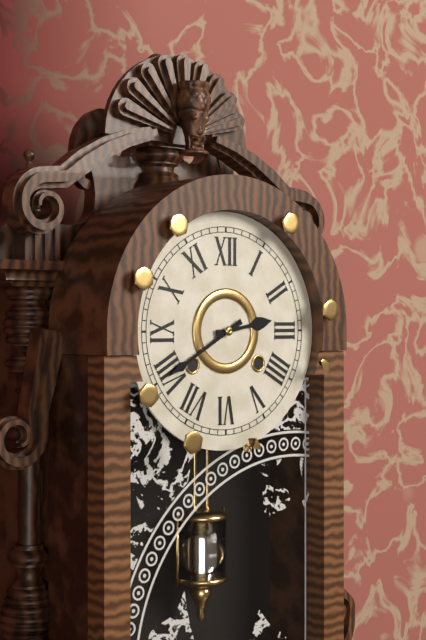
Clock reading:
2 h 40 min
